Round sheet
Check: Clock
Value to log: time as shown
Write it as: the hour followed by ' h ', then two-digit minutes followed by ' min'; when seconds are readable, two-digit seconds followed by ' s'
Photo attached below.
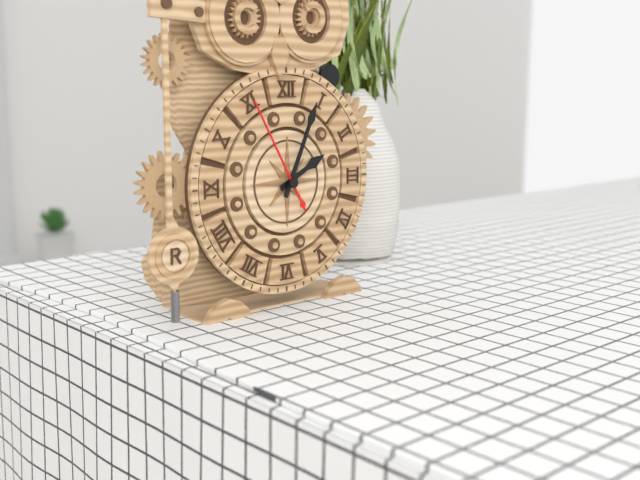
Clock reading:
2 h 04 min 55 s
